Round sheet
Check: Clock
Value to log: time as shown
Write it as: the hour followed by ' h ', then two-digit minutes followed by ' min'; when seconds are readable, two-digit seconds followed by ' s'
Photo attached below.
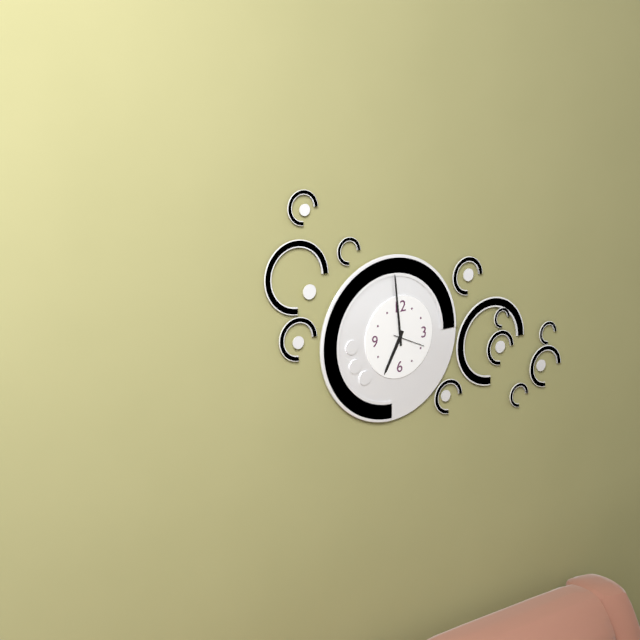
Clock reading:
6 h 59 min
